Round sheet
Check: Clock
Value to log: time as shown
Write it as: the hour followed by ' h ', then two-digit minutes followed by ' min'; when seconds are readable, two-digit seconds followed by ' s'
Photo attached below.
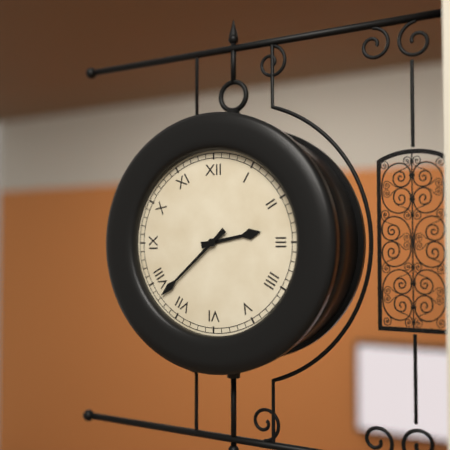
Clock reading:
2 h 38 min
